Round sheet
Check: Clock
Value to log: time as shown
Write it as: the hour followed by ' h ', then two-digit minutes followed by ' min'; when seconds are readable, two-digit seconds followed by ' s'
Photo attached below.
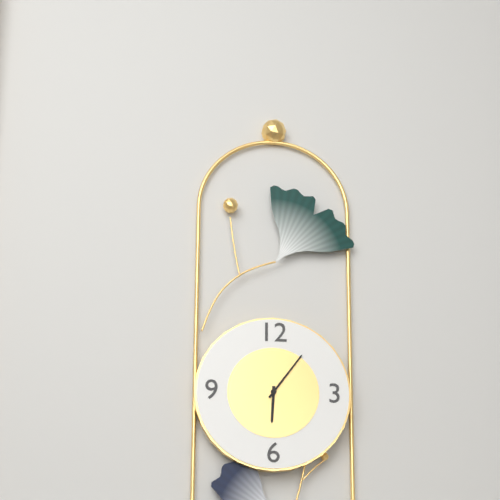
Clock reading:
6 h 06 min
